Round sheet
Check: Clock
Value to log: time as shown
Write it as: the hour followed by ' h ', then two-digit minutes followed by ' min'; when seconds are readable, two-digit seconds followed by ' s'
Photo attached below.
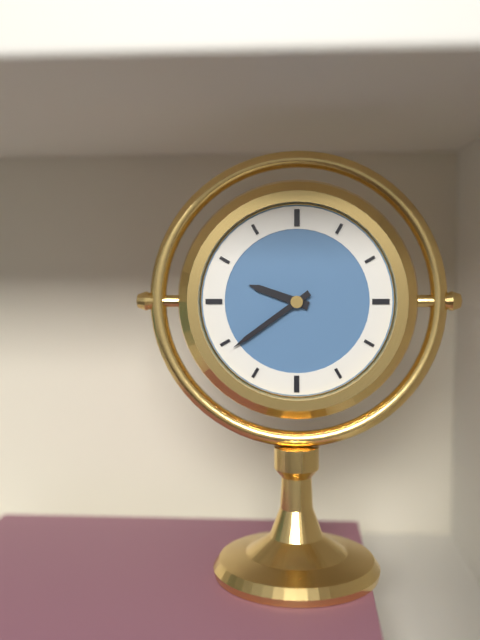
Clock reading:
9 h 39 min
